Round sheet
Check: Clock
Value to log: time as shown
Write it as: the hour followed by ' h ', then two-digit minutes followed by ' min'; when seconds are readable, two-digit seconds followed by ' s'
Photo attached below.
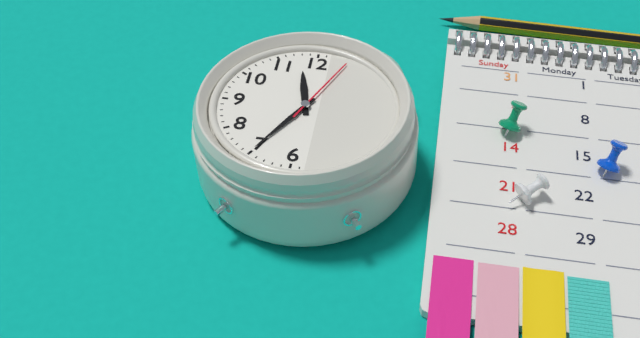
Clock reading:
11 h 35 min 04 s
